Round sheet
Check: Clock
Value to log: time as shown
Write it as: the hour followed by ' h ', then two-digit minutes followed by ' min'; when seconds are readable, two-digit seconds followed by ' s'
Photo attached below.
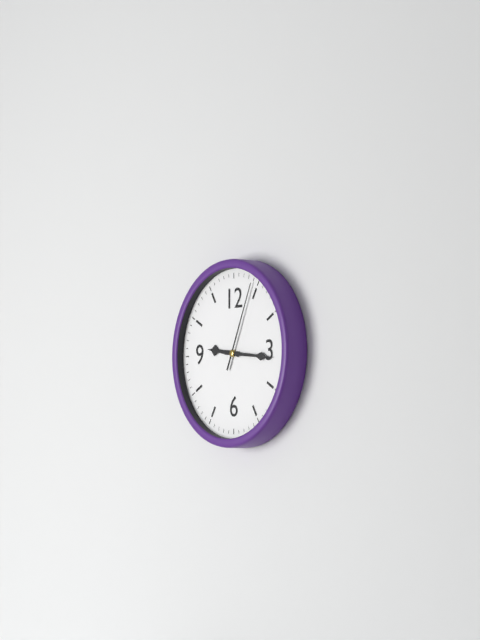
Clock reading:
9 h 16 min 04 s
